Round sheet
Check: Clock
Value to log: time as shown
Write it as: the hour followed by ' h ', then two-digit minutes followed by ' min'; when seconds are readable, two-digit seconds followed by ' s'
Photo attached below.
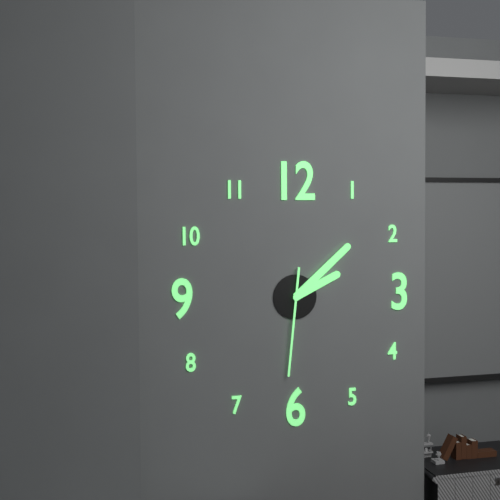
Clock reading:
2 h 08 min 31 s
